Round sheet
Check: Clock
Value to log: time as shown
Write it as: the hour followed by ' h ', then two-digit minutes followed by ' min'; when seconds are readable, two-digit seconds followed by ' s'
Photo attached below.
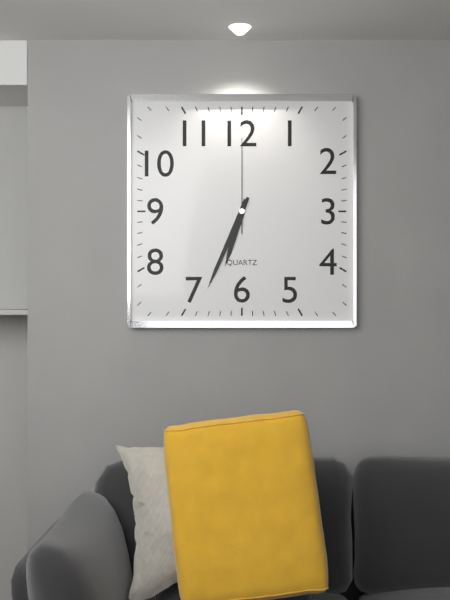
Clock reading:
6 h 34 min 00 s
